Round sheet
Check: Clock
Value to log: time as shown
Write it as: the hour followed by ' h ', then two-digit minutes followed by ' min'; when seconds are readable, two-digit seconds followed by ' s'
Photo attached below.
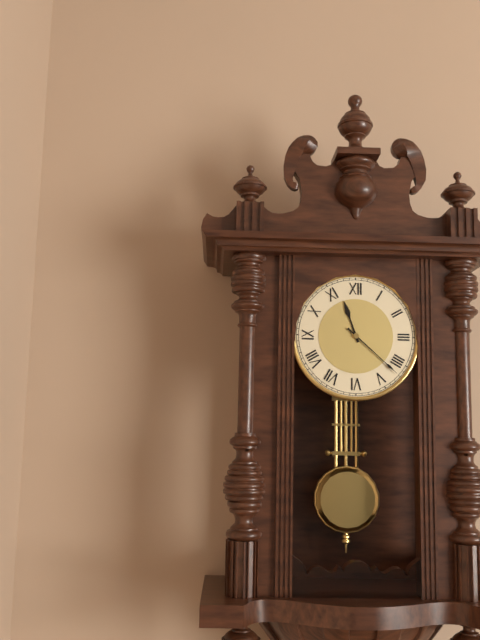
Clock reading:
11 h 22 min
